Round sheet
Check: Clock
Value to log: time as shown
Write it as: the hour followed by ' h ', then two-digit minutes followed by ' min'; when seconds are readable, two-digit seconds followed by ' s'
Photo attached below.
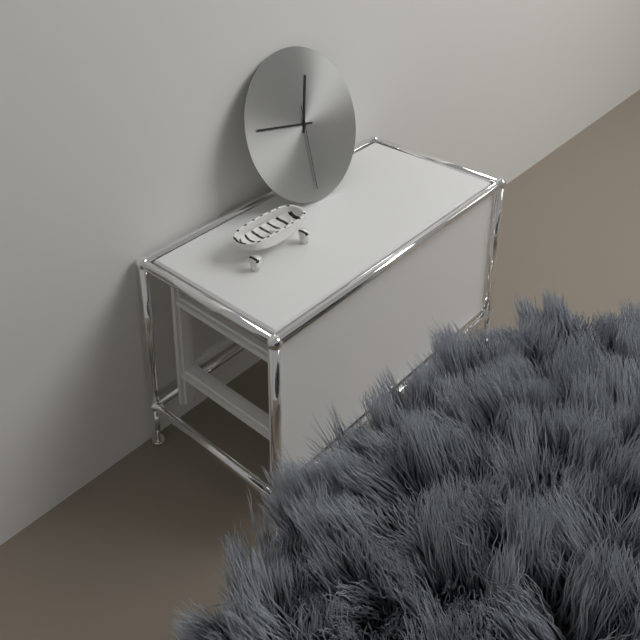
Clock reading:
12 h 47 min 31 s
